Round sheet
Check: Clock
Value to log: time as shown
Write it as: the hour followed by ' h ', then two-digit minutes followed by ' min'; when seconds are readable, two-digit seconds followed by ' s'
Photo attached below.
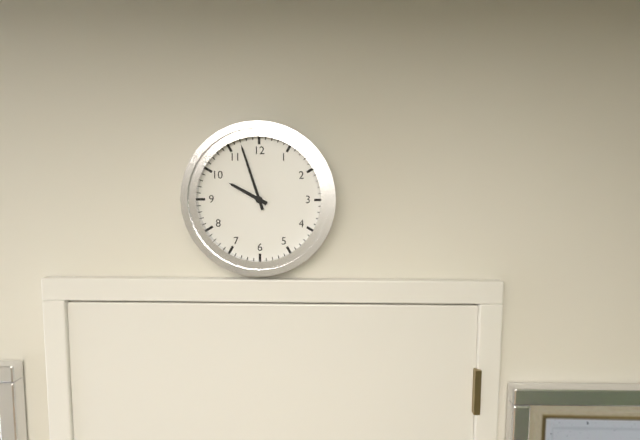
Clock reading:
9 h 57 min
